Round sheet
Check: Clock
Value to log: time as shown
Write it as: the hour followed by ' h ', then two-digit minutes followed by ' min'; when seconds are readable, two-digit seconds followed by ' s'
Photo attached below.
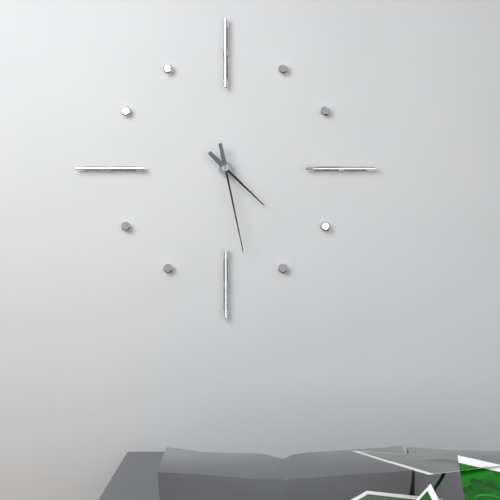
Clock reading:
4 h 28 min
